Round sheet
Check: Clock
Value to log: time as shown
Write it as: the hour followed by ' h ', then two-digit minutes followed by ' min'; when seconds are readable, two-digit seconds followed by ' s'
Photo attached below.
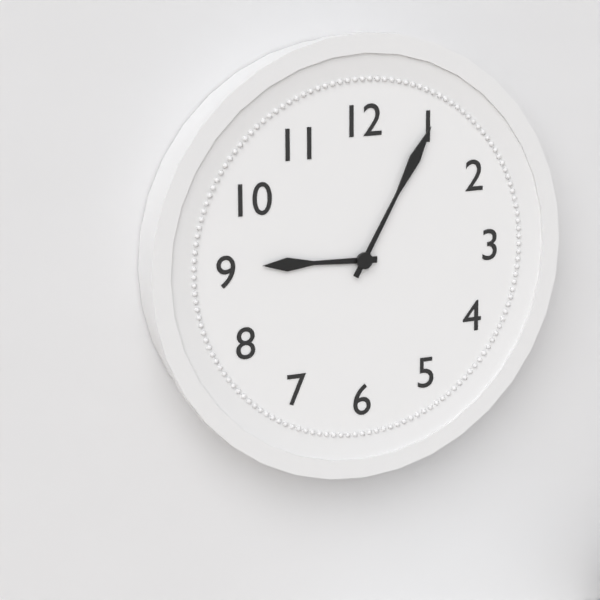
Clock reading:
9 h 05 min
